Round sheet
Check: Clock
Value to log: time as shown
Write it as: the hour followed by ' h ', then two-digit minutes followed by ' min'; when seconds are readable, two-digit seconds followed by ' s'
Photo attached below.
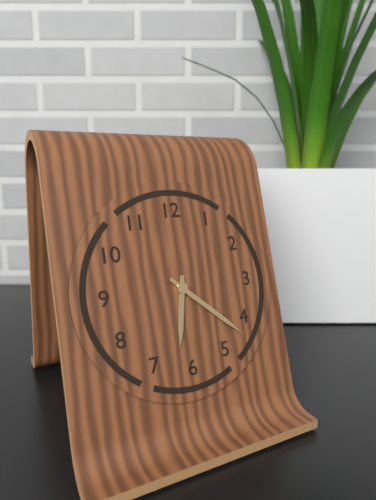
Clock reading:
6 h 22 min
